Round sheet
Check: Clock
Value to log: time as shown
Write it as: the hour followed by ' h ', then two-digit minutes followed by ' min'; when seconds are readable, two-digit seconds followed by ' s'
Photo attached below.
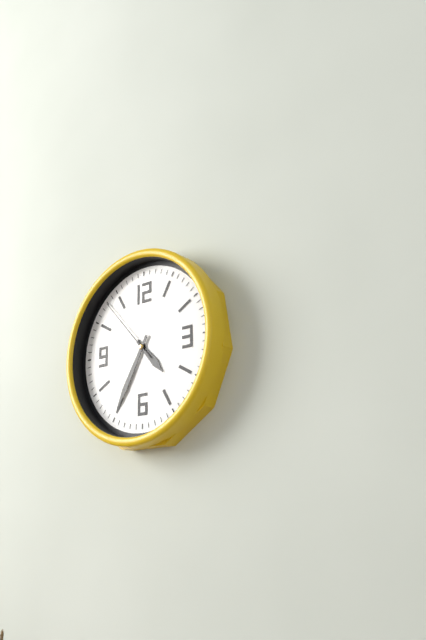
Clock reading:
4 h 35 min 53 s
